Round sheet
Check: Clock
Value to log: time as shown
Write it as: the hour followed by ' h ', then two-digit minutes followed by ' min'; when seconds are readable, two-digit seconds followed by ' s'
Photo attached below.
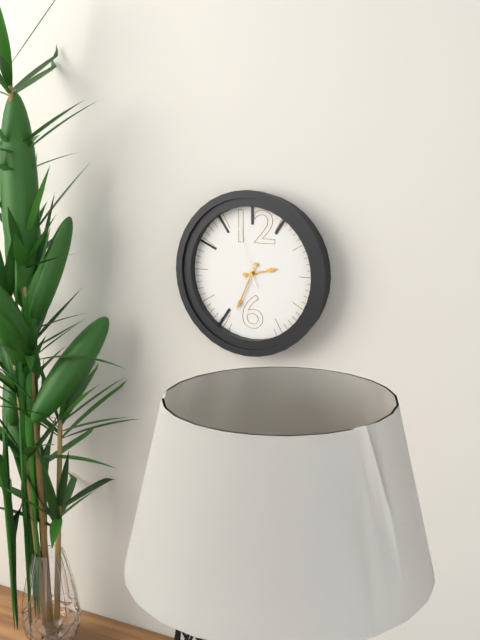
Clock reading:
2 h 34 min 57 s
